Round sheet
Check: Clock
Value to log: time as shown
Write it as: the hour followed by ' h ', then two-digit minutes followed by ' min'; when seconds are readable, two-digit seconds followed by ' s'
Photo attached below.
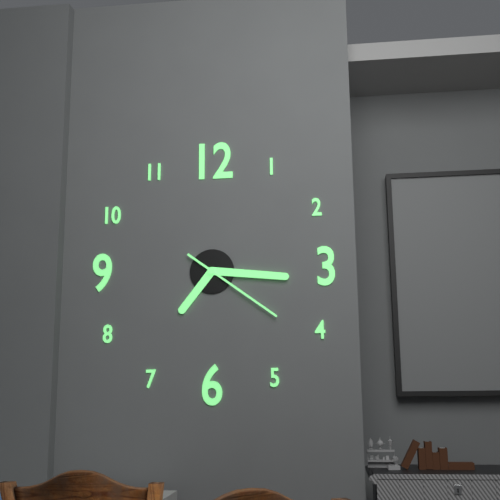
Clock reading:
7 h 16 min 21 s
